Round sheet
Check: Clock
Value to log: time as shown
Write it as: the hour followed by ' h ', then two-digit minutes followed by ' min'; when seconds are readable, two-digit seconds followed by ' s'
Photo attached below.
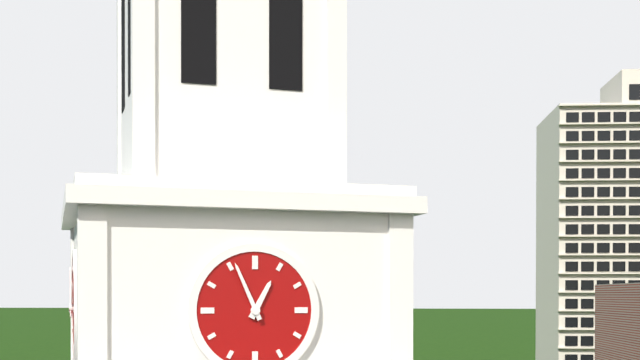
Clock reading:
12 h 56 min
